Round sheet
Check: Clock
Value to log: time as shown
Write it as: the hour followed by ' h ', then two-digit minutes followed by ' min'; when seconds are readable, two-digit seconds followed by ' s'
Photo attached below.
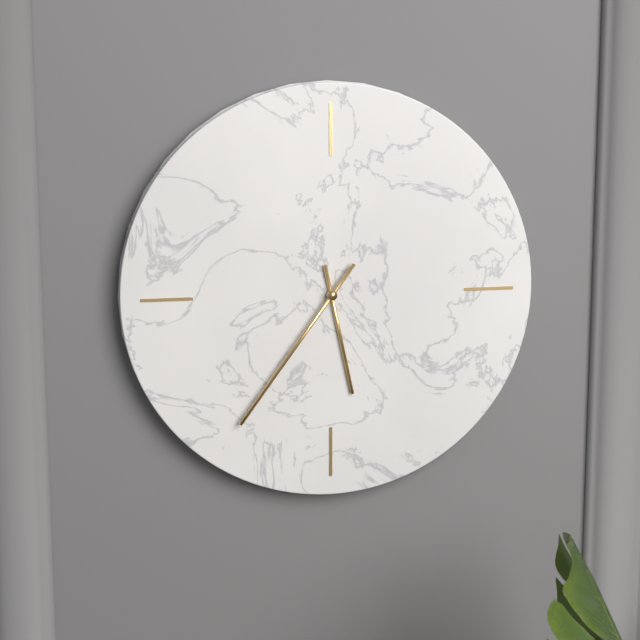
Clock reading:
5 h 36 min
